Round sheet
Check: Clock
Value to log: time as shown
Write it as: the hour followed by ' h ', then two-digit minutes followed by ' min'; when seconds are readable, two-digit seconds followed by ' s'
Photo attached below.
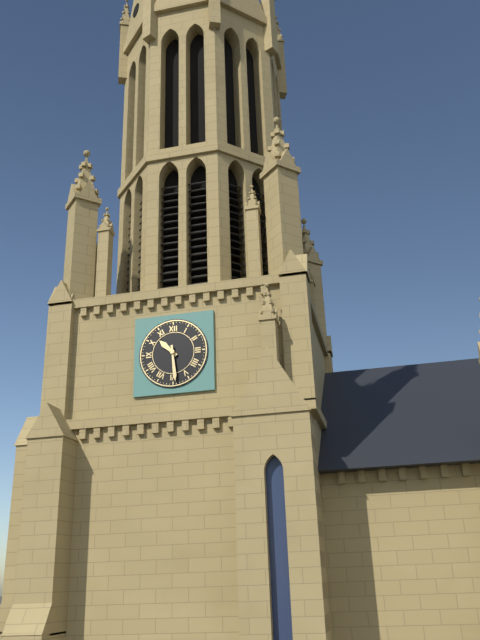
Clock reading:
10 h 29 min
